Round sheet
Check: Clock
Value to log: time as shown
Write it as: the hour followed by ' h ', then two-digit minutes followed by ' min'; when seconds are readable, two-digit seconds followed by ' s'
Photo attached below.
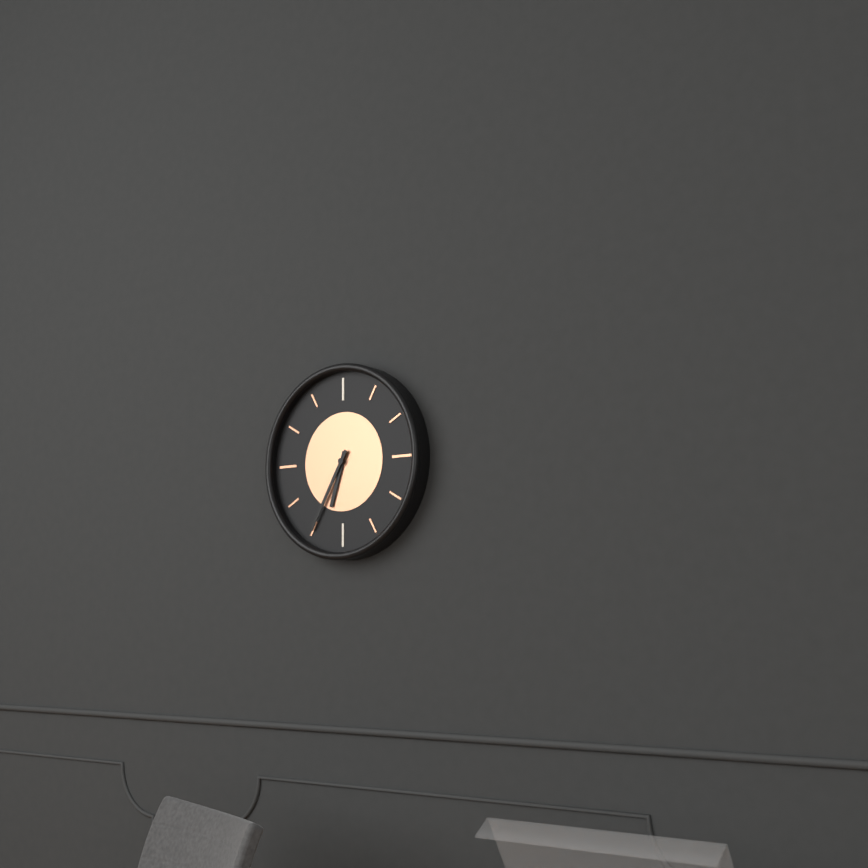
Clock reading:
6 h 35 min
